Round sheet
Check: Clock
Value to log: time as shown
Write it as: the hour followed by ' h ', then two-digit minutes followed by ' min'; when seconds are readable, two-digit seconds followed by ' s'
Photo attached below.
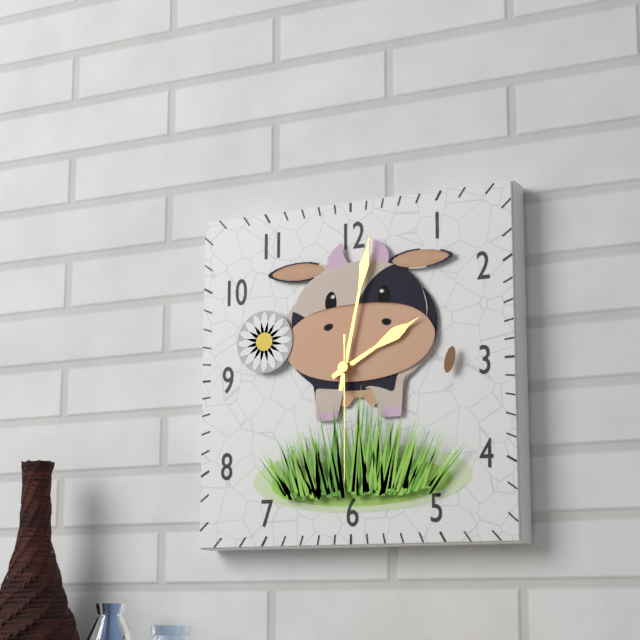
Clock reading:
2 h 02 min 30 s
